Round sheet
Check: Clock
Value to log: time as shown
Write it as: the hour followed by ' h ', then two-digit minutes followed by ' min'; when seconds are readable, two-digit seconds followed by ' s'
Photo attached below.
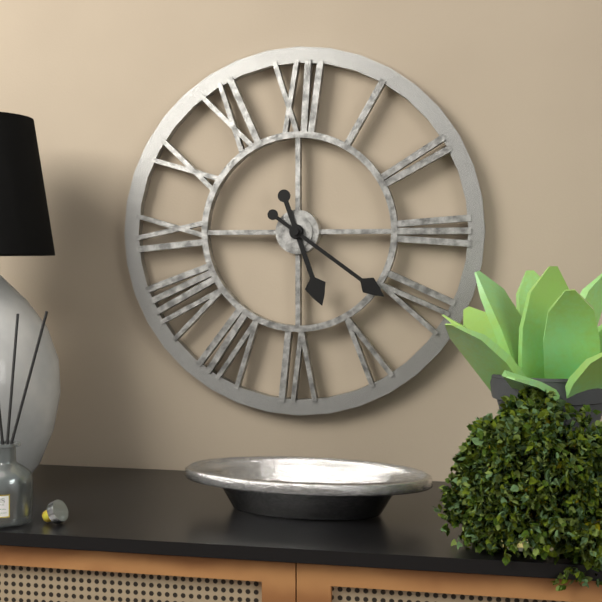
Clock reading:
5 h 21 min
